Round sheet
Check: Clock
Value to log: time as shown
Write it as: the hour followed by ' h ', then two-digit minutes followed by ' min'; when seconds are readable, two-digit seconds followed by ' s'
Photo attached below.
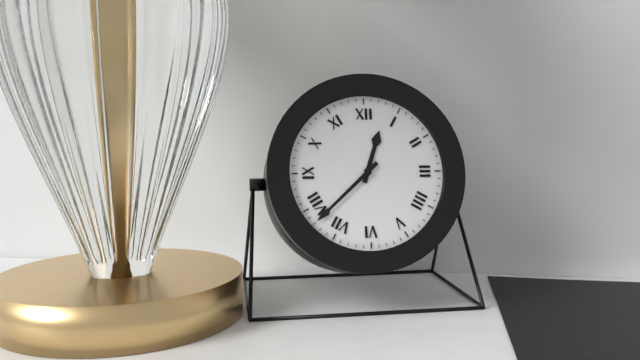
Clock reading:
12 h 38 min
